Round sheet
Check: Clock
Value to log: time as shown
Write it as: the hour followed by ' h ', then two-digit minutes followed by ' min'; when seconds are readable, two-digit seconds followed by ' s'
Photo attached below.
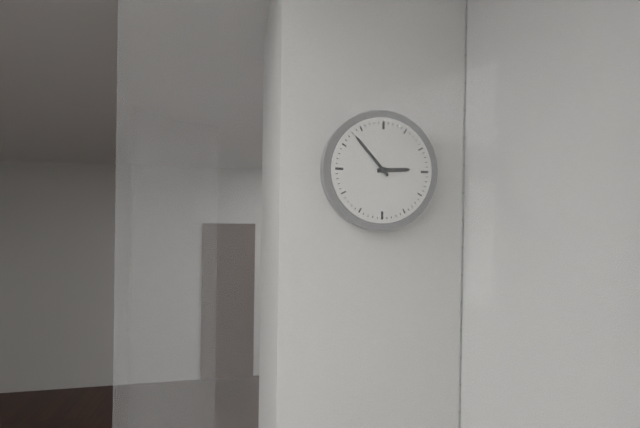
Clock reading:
2 h 53 min
